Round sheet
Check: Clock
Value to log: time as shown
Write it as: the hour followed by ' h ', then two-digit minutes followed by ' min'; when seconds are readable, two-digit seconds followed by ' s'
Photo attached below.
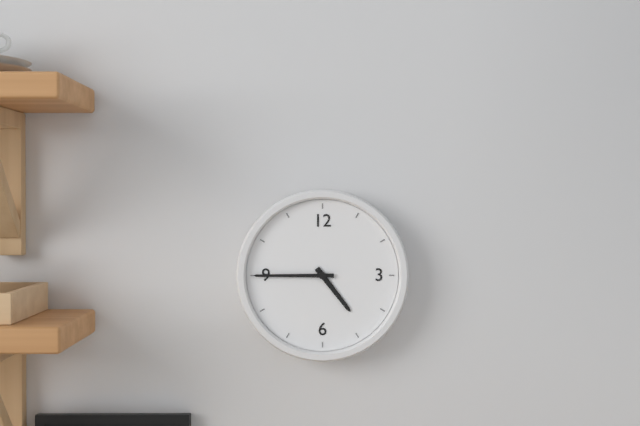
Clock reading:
4 h 45 min
